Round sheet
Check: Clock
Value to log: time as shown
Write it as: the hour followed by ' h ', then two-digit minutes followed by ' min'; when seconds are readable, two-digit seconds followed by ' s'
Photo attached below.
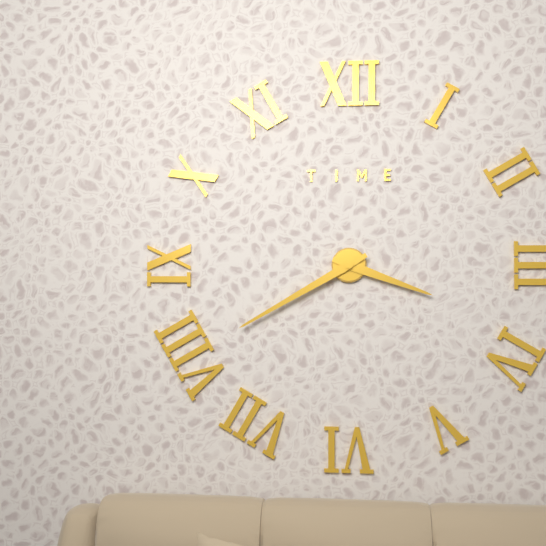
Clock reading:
3 h 40 min
